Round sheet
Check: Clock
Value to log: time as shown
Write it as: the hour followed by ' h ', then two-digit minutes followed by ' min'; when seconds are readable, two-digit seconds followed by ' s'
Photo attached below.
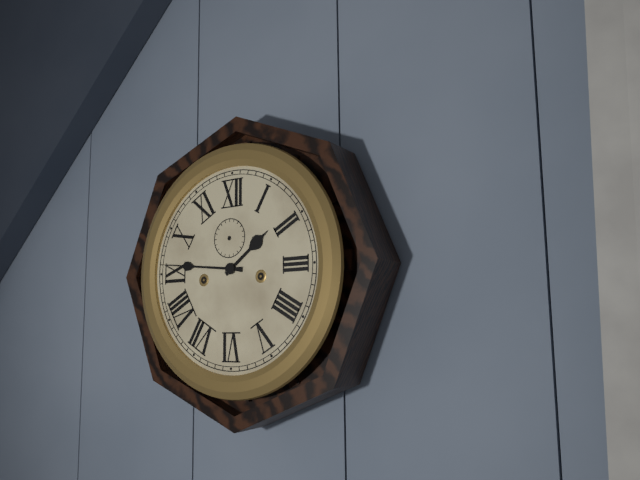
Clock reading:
1 h 46 min
